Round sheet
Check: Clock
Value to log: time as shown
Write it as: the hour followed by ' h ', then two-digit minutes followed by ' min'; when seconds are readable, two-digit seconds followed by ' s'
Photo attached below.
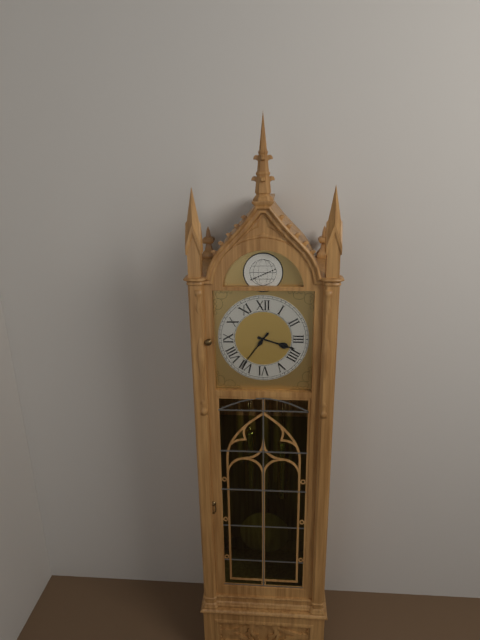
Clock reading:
3 h 36 min
